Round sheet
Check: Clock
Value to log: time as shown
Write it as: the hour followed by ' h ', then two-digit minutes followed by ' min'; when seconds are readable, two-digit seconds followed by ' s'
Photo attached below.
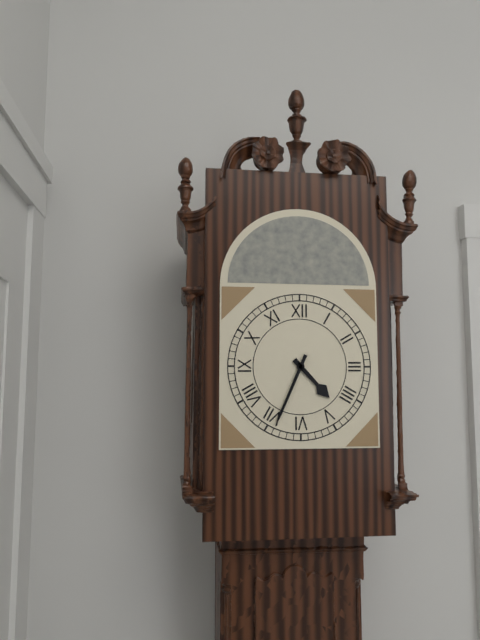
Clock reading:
4 h 34 min
